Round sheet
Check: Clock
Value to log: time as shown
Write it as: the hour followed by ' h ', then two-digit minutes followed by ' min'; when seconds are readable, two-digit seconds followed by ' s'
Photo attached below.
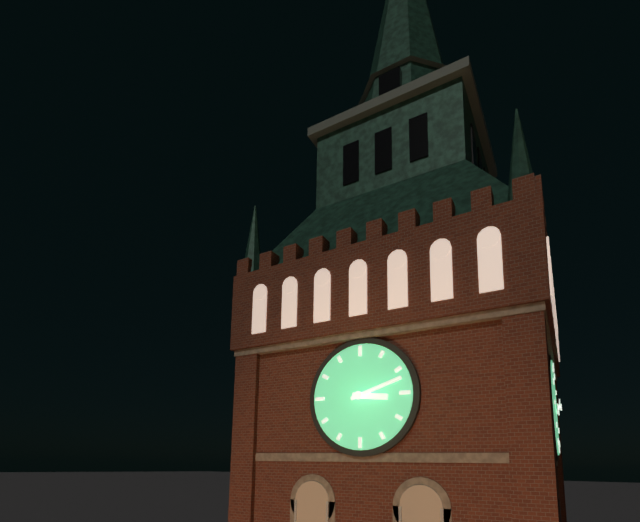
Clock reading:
3 h 12 min
